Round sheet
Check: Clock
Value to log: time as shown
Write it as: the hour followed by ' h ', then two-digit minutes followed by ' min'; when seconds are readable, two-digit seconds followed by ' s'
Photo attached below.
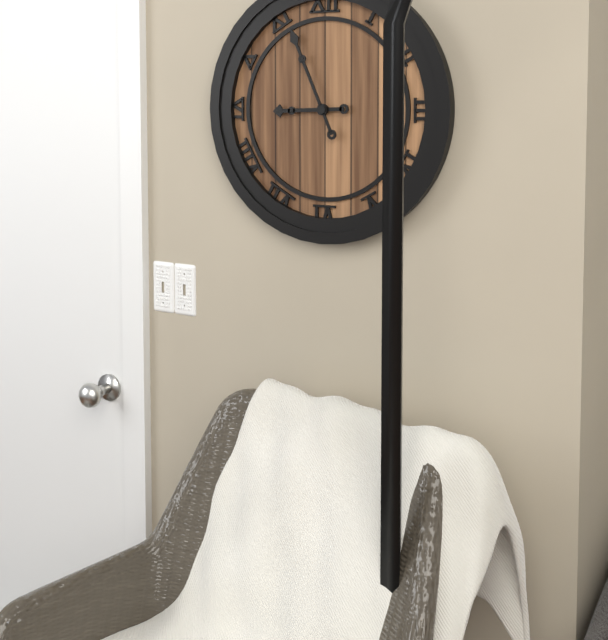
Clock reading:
8 h 56 min
